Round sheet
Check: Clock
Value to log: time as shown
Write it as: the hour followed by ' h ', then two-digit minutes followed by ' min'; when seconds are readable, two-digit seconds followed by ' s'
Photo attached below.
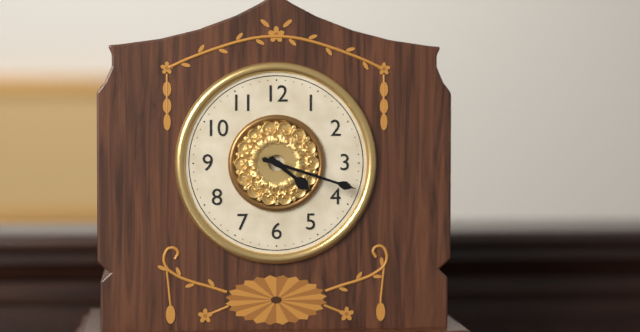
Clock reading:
4 h 18 min
